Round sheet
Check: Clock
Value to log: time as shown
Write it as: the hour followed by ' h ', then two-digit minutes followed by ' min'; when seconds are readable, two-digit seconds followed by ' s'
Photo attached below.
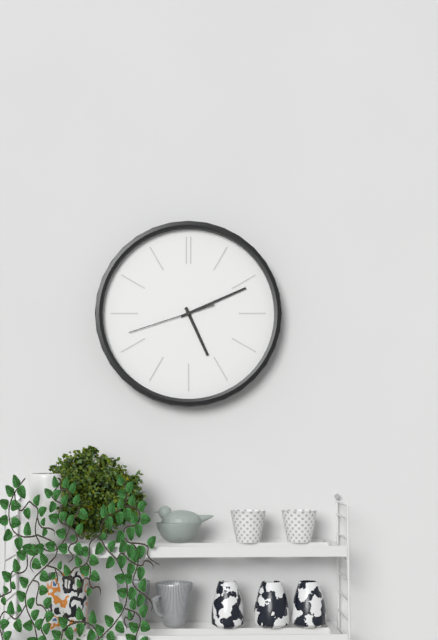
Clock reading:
5 h 11 min 42 s
